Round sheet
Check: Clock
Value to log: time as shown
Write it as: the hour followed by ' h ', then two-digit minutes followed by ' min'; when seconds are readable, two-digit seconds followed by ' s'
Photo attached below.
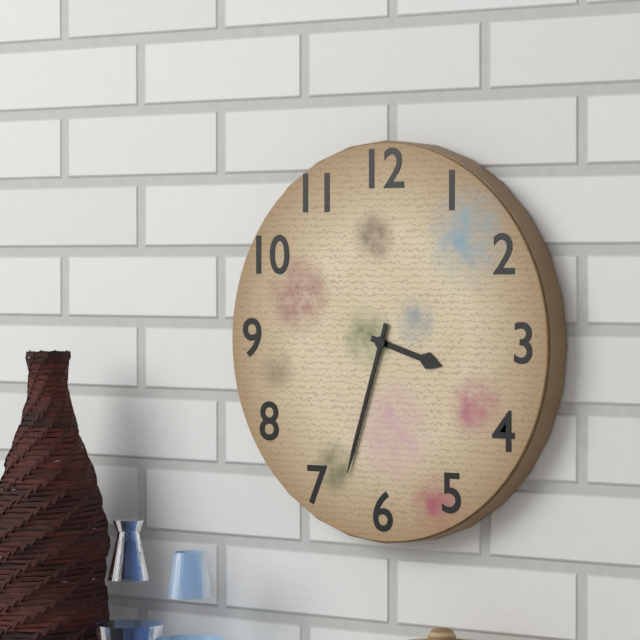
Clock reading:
3 h 33 min
